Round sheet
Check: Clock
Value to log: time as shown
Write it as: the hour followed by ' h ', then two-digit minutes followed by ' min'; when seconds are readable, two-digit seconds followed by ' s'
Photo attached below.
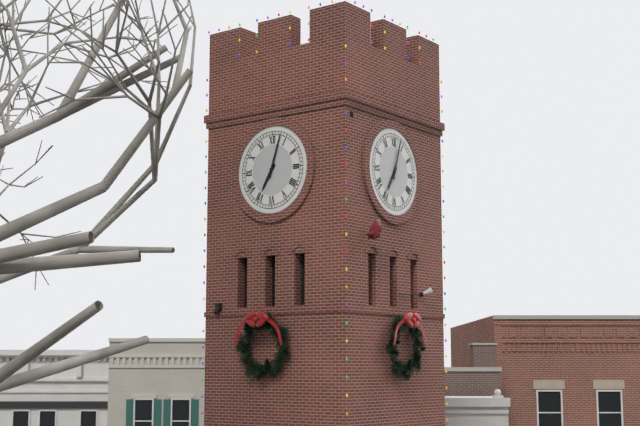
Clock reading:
7 h 03 min
